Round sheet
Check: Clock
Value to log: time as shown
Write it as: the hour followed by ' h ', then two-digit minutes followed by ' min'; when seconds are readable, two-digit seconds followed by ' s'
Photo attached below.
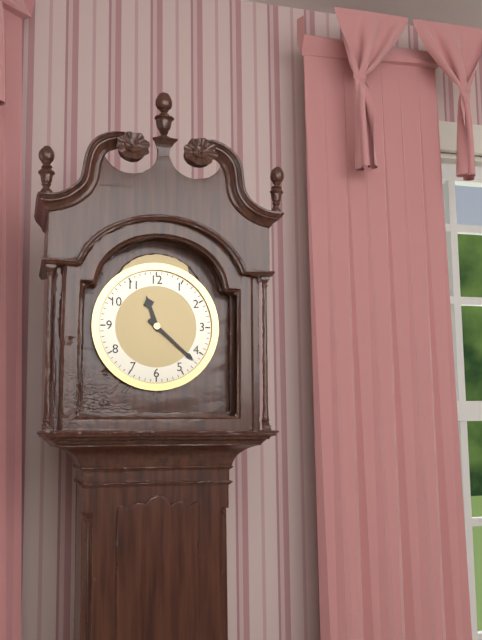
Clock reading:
11 h 22 min
